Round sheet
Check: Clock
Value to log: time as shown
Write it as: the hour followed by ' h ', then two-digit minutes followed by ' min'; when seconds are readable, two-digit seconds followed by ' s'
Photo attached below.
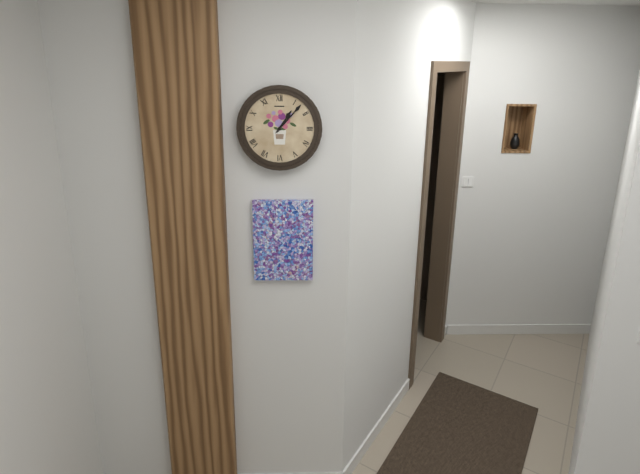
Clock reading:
1 h 07 min
